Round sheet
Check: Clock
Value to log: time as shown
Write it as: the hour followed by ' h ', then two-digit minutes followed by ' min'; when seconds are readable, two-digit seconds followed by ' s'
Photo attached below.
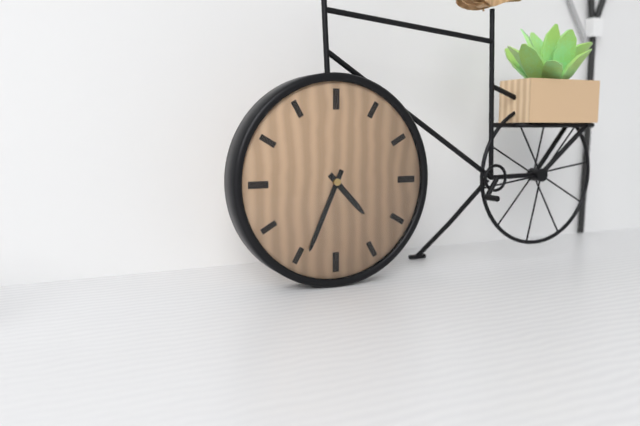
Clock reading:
4 h 34 min
